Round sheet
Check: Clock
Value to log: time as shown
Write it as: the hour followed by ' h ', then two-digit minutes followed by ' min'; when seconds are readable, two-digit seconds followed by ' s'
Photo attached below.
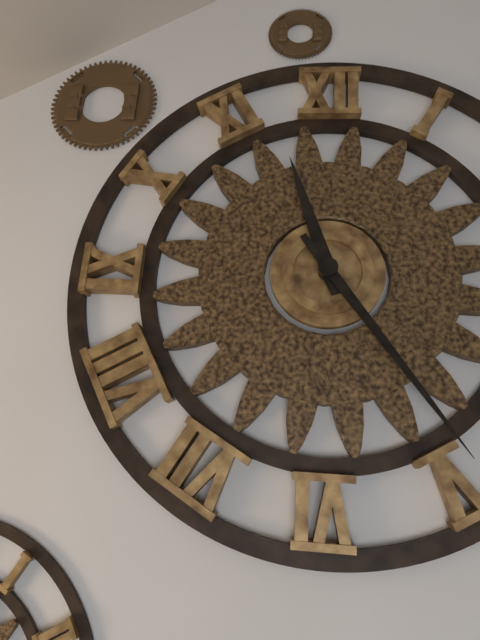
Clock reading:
11 h 24 min
